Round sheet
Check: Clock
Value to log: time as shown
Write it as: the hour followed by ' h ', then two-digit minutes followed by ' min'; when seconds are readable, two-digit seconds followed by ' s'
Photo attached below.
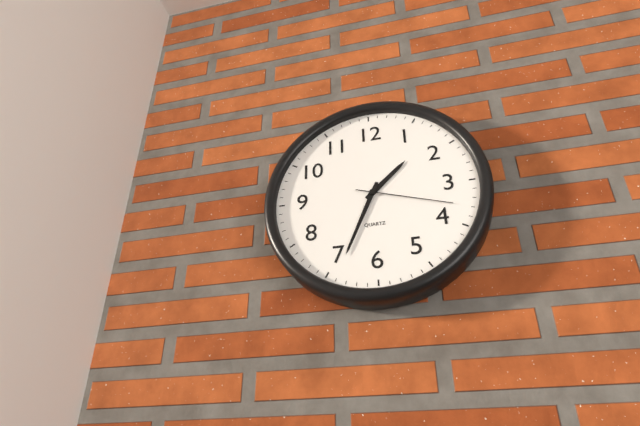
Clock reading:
1 h 34 min 18 s
